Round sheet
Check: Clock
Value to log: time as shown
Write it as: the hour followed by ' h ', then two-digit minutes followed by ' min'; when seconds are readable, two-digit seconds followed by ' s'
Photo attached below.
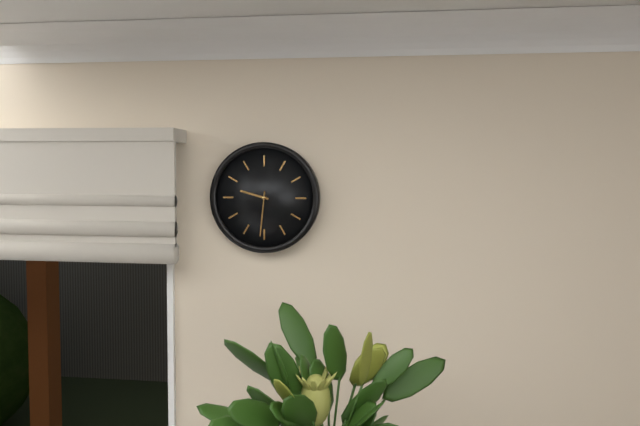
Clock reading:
9 h 31 min
